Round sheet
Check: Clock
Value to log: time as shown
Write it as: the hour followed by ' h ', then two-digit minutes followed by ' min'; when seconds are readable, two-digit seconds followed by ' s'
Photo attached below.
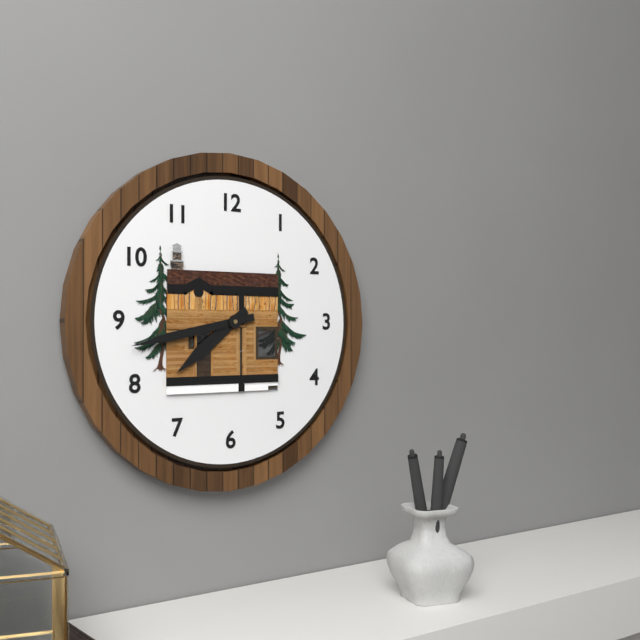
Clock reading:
7 h 43 min
